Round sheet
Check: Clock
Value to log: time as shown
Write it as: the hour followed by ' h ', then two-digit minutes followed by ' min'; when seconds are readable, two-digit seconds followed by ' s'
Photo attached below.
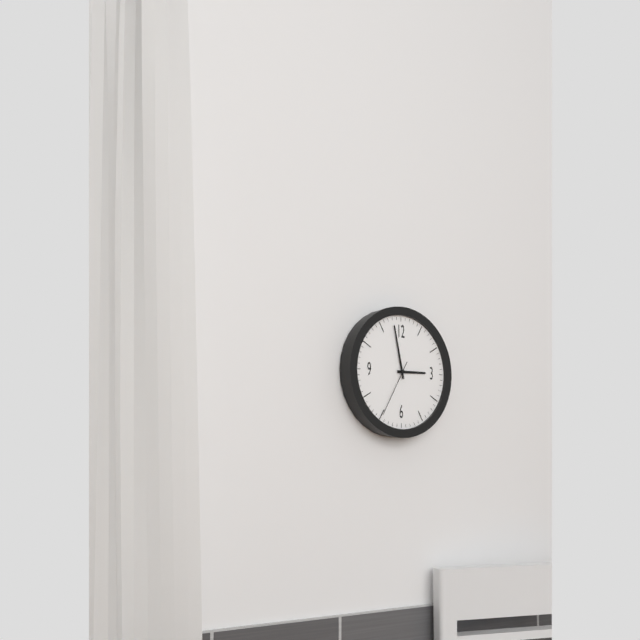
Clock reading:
2 h 58 min 35 s
